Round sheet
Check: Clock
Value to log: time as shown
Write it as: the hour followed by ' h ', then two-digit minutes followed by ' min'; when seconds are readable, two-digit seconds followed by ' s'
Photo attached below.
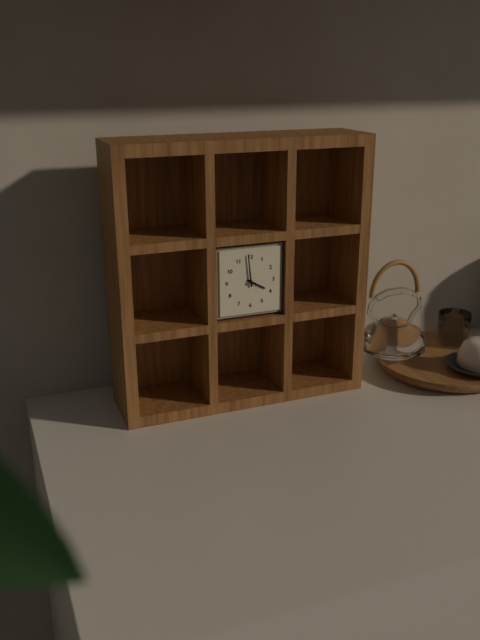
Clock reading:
3 h 59 min
